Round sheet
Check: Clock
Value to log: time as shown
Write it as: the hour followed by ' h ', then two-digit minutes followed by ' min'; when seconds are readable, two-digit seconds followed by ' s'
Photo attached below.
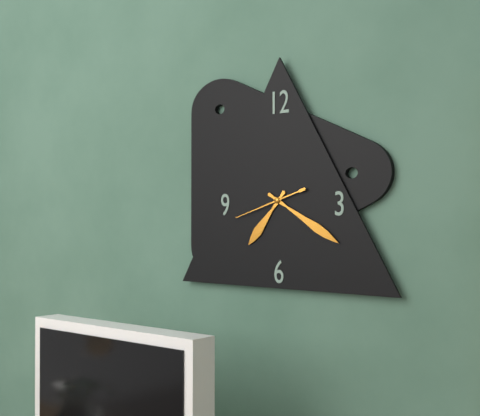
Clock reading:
7 h 20 min 42 s
